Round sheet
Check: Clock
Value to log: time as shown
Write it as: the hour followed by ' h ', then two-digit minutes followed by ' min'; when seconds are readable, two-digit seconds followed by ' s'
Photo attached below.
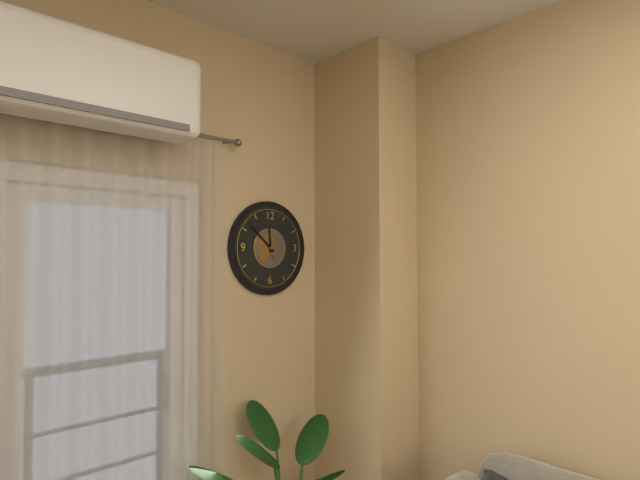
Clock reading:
11 h 52 min
